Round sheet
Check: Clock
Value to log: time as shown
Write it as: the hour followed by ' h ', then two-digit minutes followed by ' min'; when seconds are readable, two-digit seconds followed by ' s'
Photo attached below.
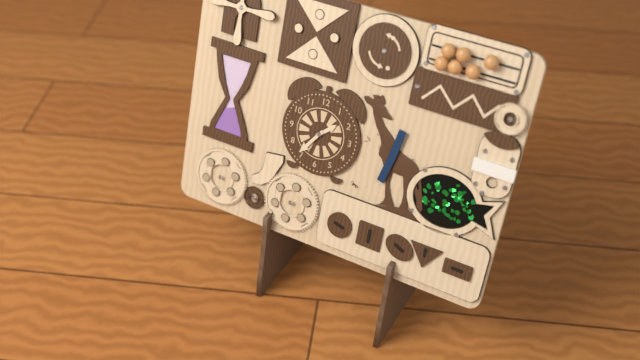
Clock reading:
1 h 36 min
